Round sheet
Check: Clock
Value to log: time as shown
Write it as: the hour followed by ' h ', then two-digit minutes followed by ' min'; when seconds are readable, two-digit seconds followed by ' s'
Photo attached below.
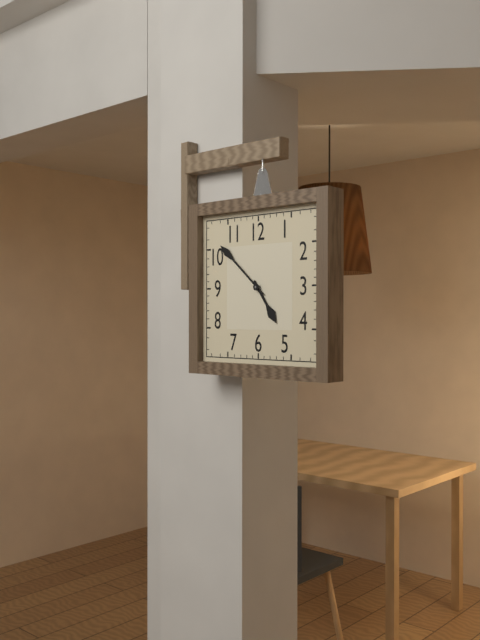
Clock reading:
4 h 52 min
